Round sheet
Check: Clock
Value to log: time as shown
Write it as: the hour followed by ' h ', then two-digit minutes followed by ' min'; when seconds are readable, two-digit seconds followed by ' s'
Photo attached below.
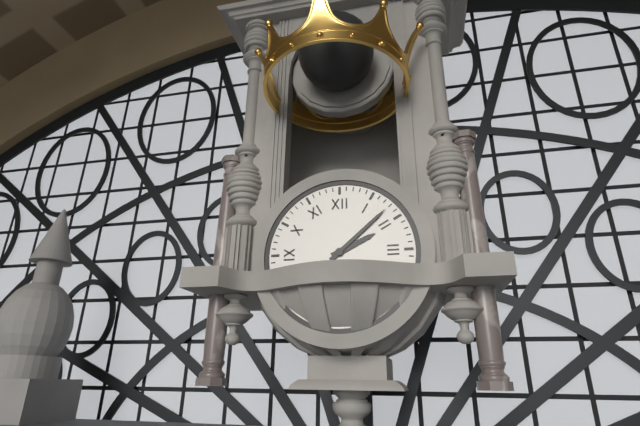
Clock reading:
2 h 08 min
